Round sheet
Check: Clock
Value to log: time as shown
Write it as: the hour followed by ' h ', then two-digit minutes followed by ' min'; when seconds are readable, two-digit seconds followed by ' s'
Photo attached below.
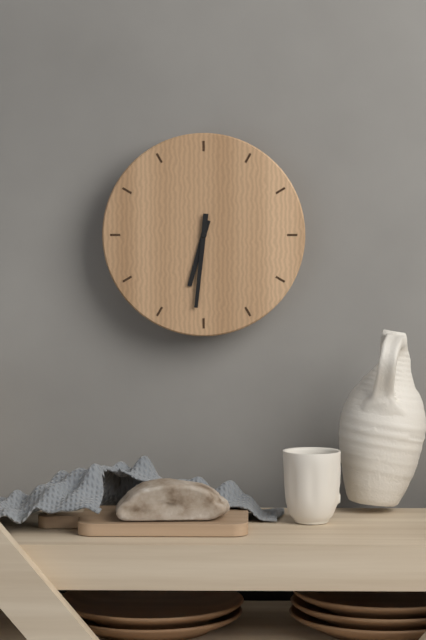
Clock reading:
6 h 31 min
